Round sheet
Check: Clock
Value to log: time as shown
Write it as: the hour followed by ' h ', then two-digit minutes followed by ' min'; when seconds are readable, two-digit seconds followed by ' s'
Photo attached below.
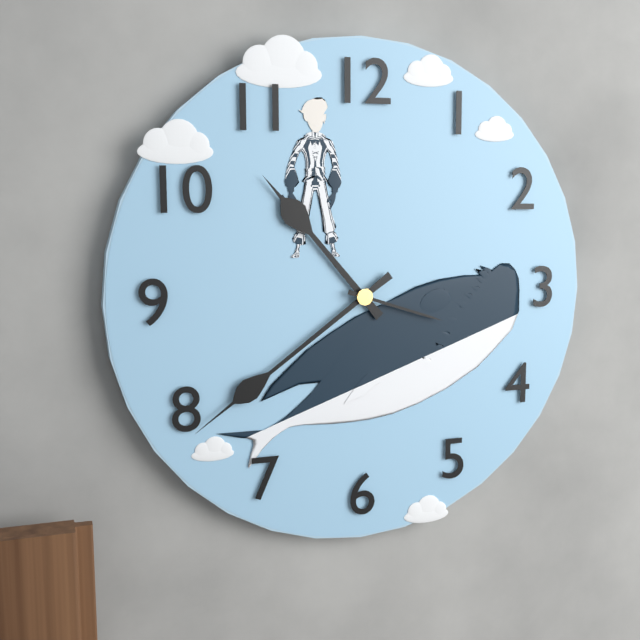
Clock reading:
10 h 39 min 18 s
